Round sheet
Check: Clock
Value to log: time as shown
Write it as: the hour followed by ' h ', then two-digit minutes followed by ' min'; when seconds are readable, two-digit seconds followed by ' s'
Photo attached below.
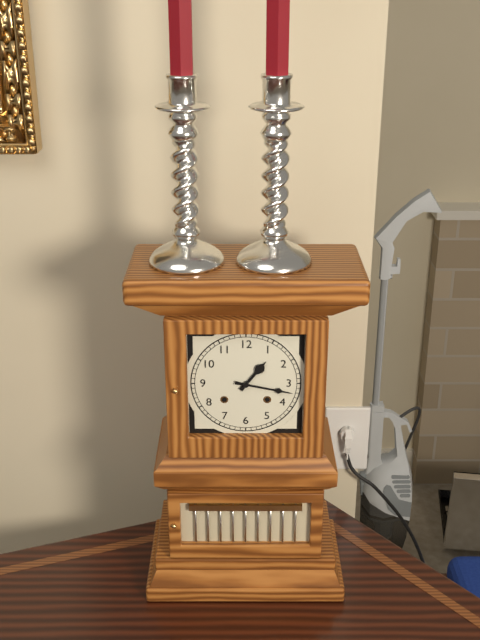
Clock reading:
1 h 17 min
